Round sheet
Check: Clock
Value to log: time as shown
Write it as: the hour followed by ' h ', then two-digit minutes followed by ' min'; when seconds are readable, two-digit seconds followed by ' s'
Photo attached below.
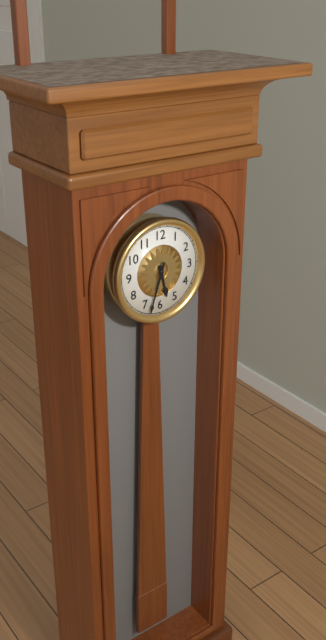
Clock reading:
5 h 33 min
